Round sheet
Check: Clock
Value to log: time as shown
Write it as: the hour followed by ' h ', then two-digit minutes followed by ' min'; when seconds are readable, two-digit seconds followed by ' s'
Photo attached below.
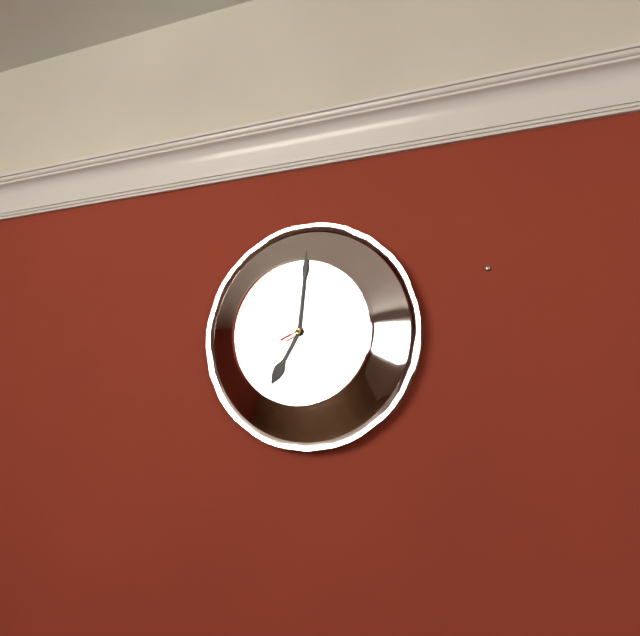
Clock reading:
7 h 01 min 11 s
